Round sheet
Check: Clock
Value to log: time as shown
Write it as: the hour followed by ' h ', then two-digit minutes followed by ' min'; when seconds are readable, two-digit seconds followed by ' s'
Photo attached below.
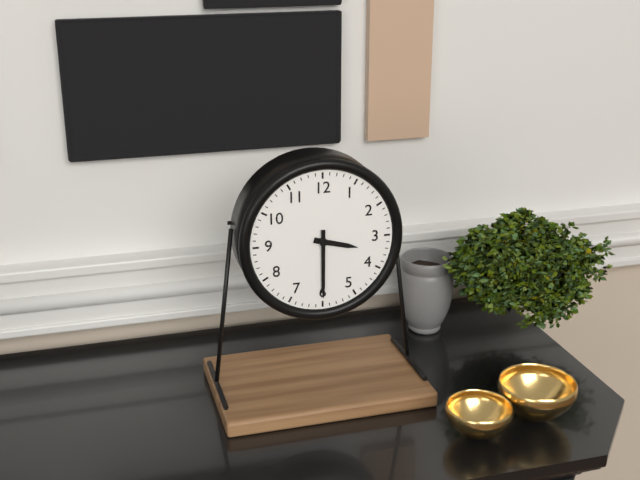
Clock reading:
3 h 30 min
